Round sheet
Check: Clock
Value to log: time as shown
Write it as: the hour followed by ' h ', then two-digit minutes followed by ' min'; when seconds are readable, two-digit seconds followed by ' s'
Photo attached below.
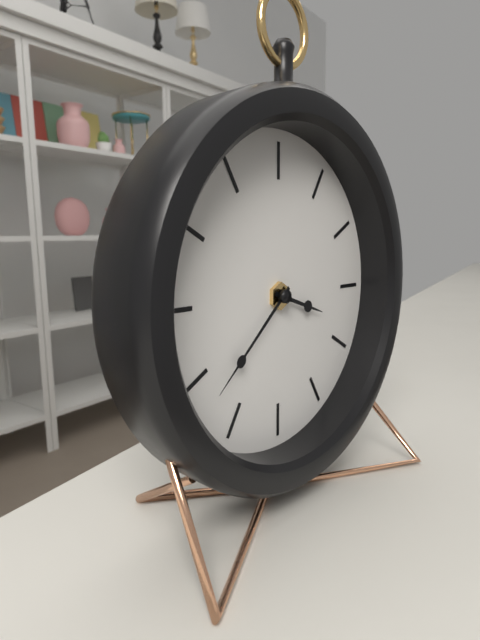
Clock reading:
3 h 38 min
